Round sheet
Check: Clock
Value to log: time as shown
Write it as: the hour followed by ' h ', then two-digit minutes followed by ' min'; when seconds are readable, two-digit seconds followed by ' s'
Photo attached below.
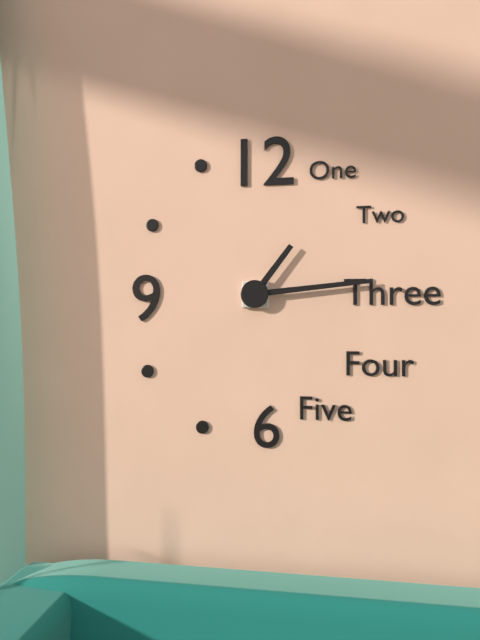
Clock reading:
1 h 14 min
